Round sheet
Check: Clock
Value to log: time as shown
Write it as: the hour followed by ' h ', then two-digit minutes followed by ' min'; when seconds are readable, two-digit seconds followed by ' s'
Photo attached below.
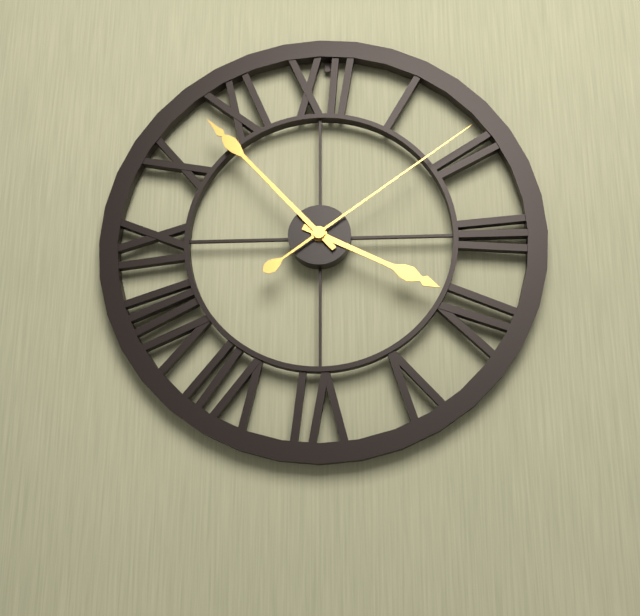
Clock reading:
3 h 53 min 09 s
